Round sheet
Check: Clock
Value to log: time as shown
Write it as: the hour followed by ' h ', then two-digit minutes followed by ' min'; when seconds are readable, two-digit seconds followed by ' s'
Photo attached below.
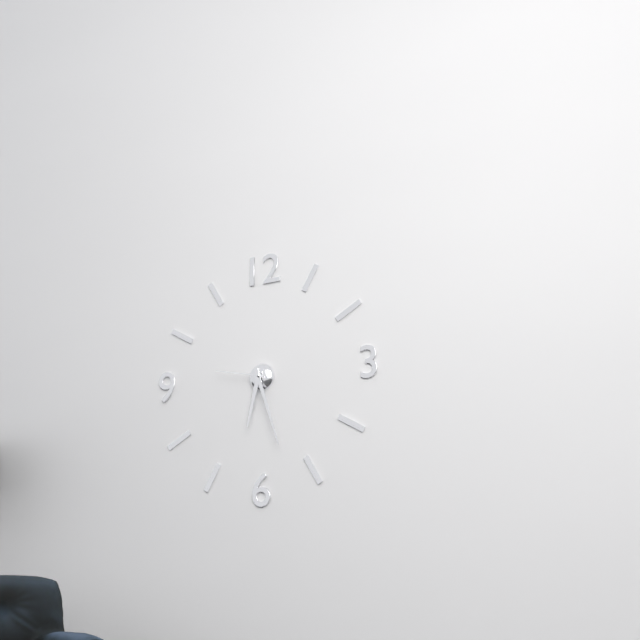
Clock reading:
6 h 27 min 47 s
